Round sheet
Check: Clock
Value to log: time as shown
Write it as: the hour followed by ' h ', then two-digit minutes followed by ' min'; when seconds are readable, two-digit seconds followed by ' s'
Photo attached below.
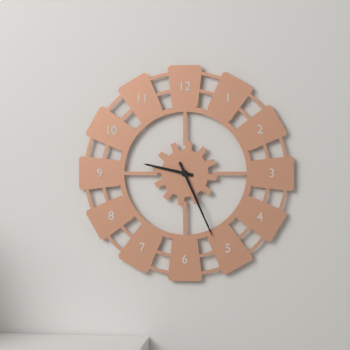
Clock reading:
9 h 26 min
